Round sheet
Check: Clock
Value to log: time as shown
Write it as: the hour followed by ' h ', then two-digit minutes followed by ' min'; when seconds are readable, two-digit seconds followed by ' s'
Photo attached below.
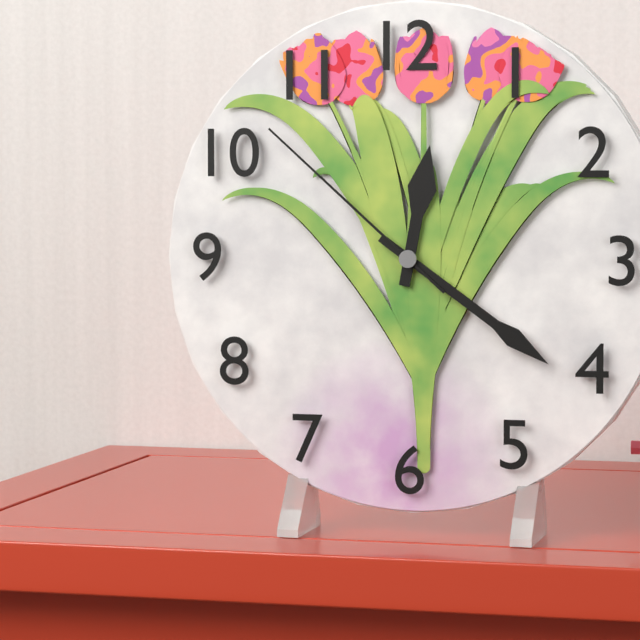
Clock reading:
12 h 21 min 52 s
